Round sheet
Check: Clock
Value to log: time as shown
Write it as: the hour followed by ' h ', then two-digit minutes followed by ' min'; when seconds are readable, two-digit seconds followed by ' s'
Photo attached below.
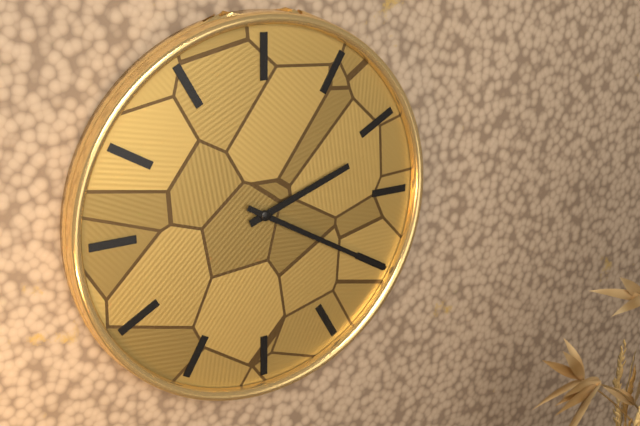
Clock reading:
2 h 20 min
